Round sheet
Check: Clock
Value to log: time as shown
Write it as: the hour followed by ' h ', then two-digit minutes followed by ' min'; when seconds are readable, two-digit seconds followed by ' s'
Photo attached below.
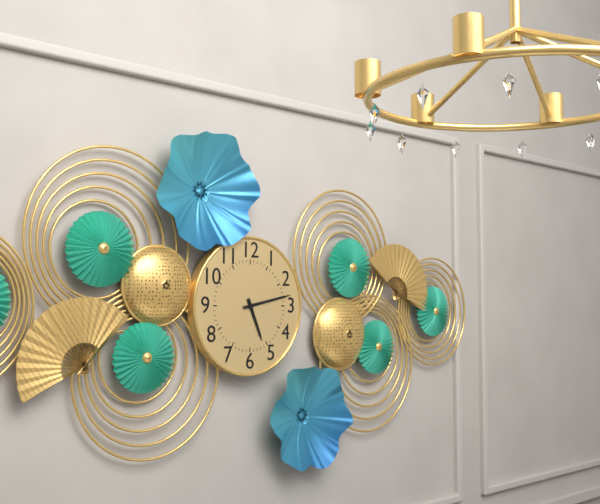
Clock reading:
5 h 13 min
